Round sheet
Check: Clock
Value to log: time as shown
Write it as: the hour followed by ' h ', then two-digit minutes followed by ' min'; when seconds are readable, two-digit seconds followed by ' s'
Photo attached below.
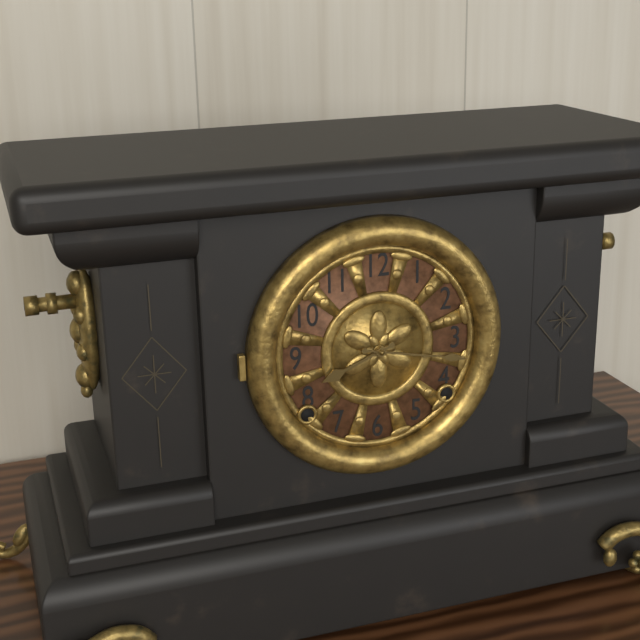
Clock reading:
8 h 17 min
